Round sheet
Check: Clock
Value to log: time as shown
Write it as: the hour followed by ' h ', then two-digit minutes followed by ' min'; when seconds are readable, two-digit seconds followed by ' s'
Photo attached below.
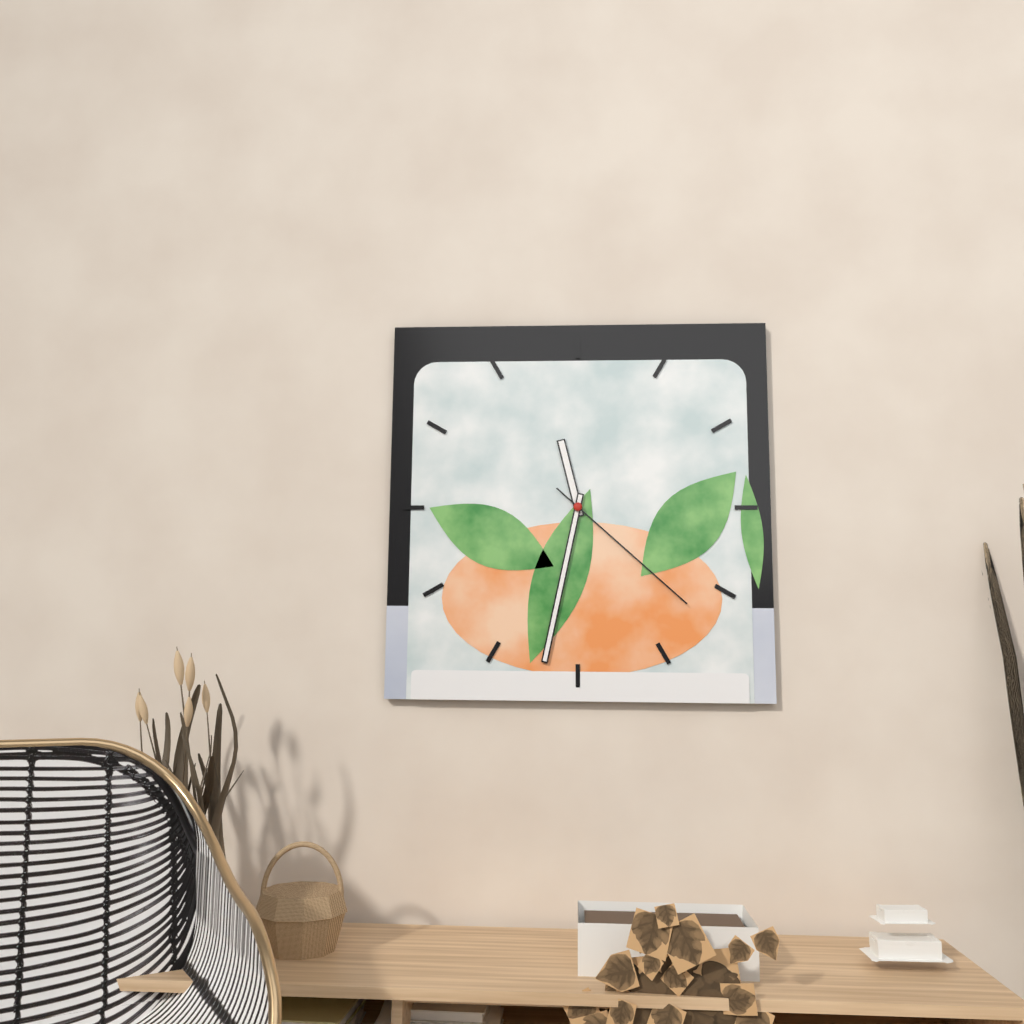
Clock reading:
11 h 32 min 22 s
